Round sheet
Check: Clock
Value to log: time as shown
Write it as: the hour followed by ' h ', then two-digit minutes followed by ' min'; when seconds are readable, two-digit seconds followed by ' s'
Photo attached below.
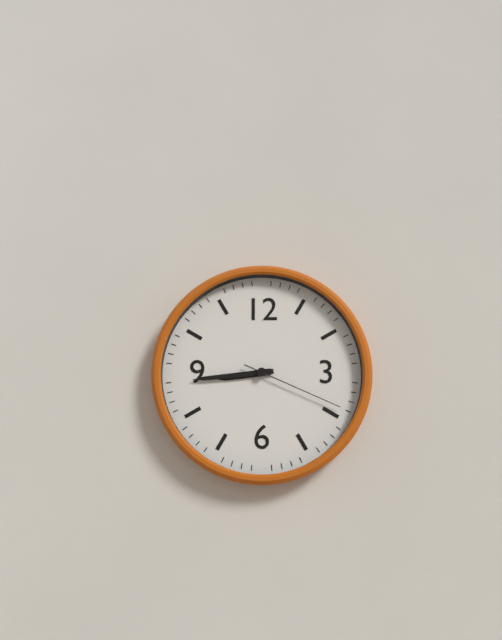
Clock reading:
8 h 44 min 19 s
